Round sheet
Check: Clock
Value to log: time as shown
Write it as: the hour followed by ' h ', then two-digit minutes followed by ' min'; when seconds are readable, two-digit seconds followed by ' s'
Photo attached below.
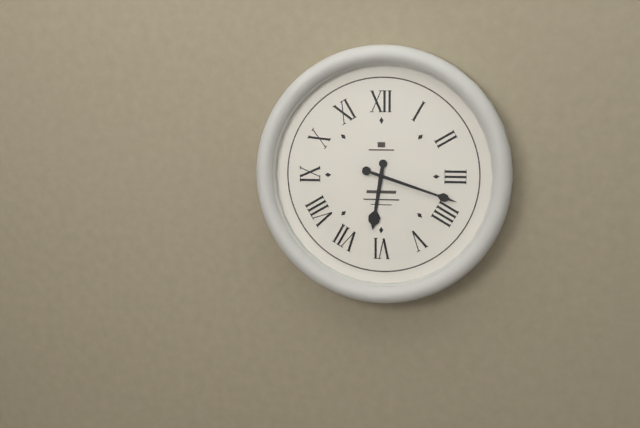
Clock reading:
6 h 18 min
